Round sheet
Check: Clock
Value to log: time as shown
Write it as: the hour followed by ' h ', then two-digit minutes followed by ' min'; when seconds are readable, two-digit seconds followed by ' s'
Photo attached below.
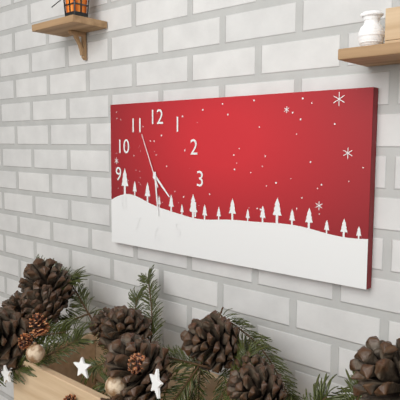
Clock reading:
4 h 29 min 56 s
